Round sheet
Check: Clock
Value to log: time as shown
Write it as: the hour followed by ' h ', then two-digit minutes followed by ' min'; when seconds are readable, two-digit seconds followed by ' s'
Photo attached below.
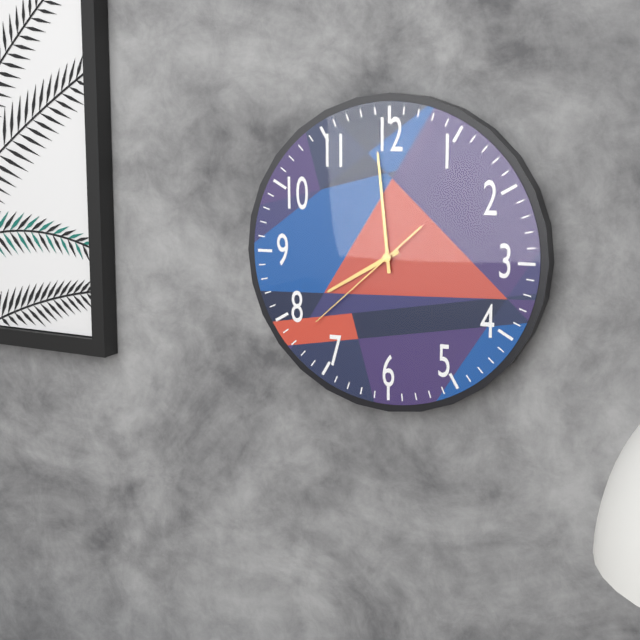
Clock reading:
7 h 59 min 38 s
